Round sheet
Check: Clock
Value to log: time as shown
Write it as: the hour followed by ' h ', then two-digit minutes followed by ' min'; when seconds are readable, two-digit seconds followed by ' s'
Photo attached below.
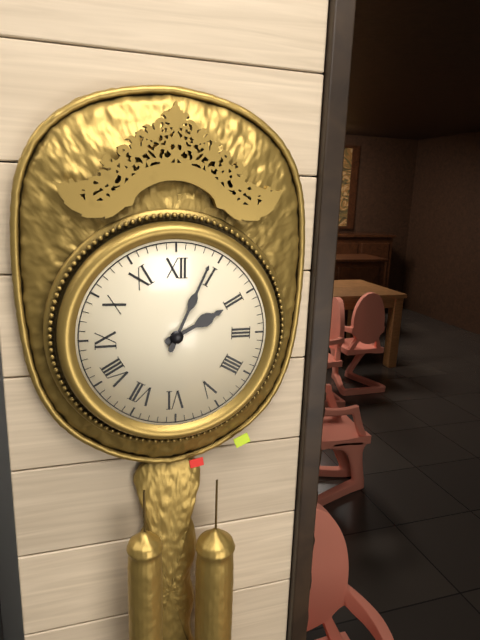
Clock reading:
2 h 04 min
